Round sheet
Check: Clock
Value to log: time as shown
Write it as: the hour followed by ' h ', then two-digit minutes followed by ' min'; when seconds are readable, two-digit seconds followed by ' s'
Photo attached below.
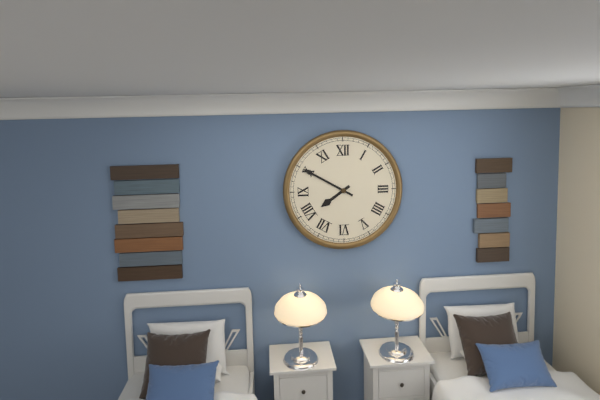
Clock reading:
7 h 50 min
